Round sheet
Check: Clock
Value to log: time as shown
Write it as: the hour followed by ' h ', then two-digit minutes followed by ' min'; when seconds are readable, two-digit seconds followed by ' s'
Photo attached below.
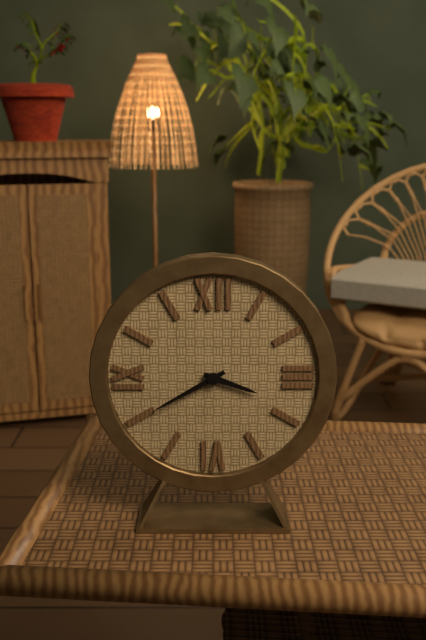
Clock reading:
3 h 40 min
